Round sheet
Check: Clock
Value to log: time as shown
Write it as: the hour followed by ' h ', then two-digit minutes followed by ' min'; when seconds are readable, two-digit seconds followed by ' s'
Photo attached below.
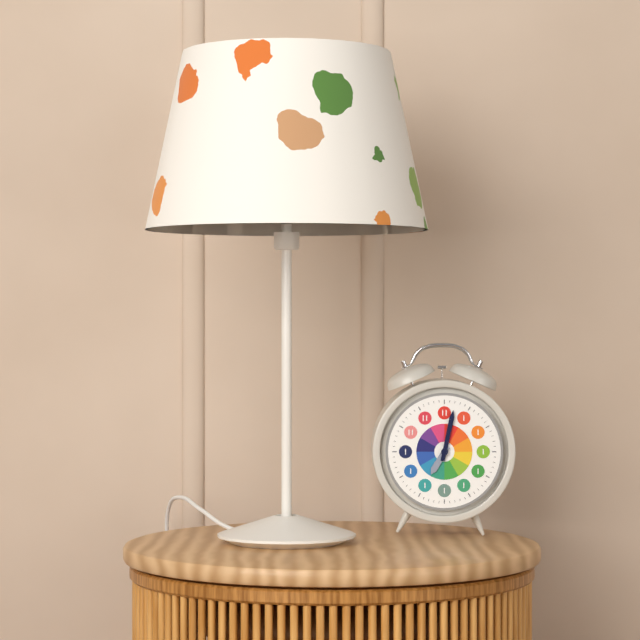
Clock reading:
7 h 02 min
